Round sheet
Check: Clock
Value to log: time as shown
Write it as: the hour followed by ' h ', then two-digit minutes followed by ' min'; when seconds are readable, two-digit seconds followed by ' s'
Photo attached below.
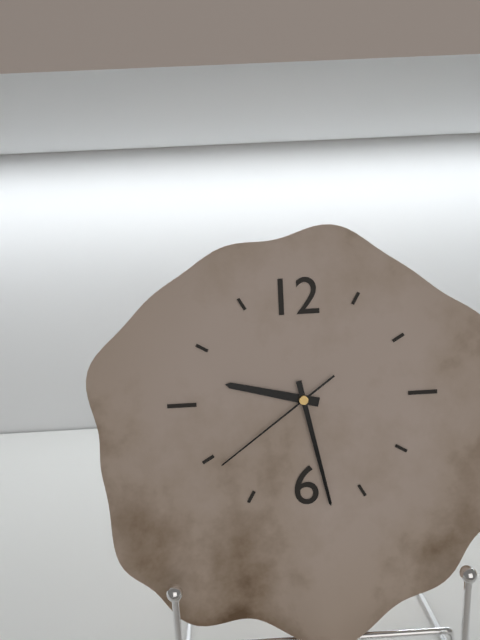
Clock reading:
9 h 28 min 39 s
